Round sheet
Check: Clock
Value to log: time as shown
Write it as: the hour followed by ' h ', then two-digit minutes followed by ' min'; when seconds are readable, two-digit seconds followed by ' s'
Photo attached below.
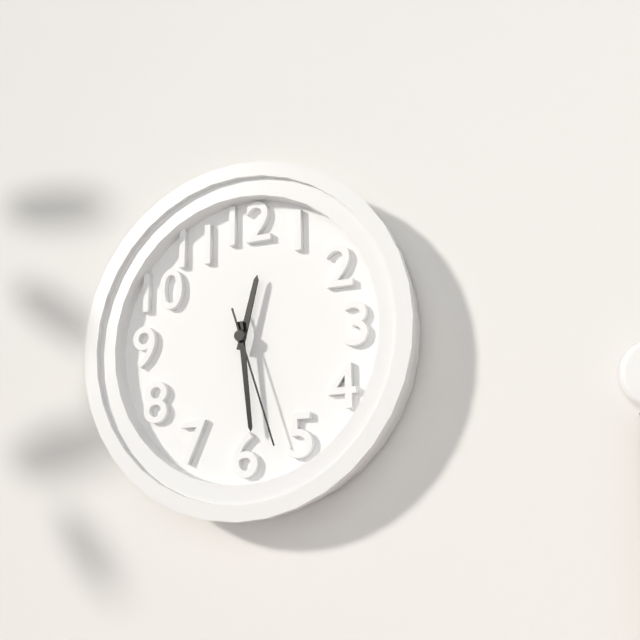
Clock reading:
12 h 29 min 27 s
